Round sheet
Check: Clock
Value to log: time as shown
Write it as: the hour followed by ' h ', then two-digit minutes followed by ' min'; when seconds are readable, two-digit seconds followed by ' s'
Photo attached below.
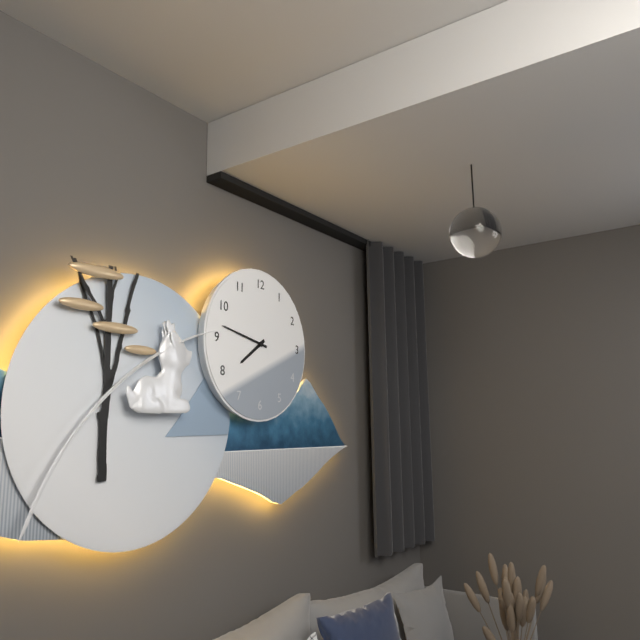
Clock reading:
7 h 47 min
